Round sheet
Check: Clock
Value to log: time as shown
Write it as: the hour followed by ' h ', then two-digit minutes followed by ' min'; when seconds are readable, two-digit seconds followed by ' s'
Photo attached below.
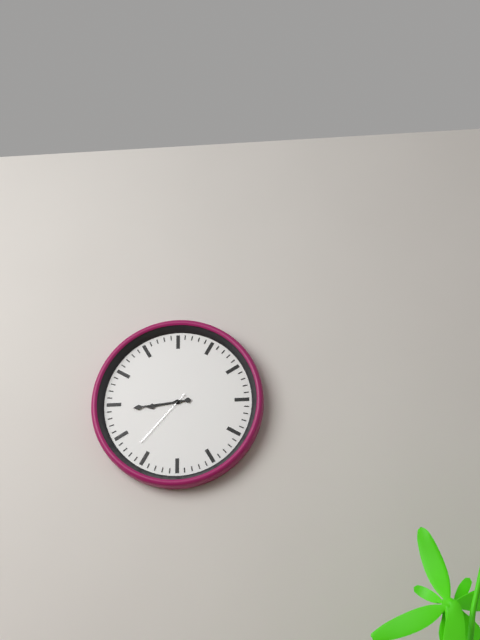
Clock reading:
8 h 44 min 37 s
